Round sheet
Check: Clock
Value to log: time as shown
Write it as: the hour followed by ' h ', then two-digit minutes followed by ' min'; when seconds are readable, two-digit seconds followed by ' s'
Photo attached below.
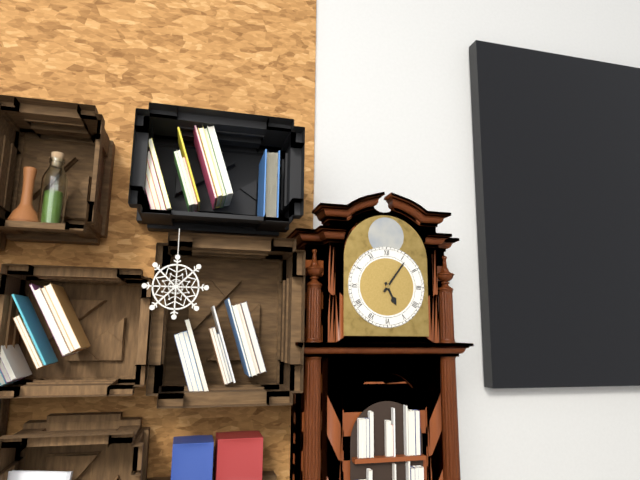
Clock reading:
5 h 06 min
